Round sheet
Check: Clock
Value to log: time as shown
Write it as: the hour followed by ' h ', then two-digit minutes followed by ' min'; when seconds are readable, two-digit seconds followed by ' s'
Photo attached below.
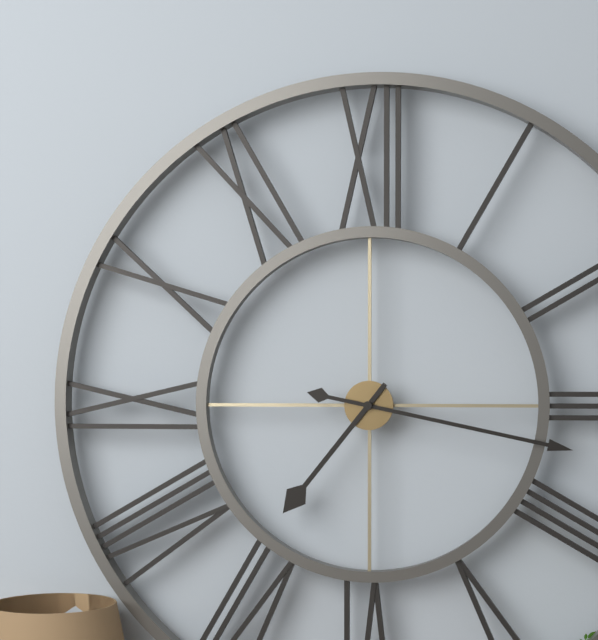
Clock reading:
7 h 17 min
